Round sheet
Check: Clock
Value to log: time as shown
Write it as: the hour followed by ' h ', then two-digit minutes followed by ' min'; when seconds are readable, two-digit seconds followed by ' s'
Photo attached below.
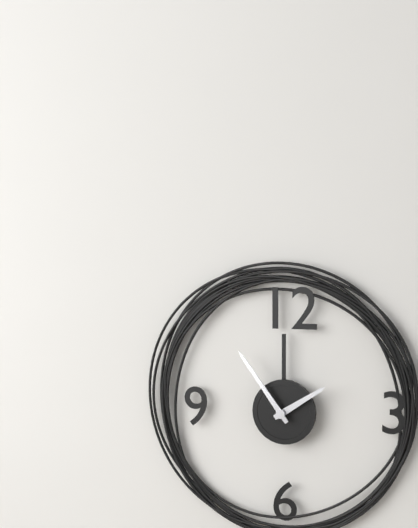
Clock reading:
1 h 54 min
